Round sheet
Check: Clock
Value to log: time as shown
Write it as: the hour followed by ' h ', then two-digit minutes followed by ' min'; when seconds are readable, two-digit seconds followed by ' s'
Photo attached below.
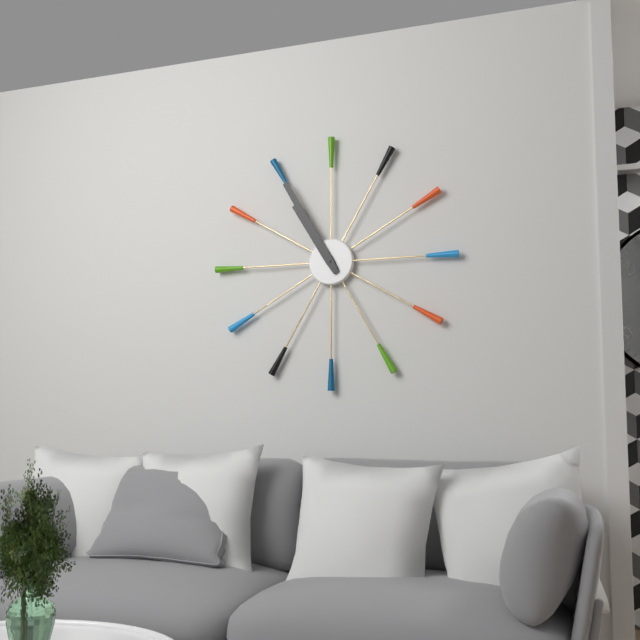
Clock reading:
10 h 55 min
